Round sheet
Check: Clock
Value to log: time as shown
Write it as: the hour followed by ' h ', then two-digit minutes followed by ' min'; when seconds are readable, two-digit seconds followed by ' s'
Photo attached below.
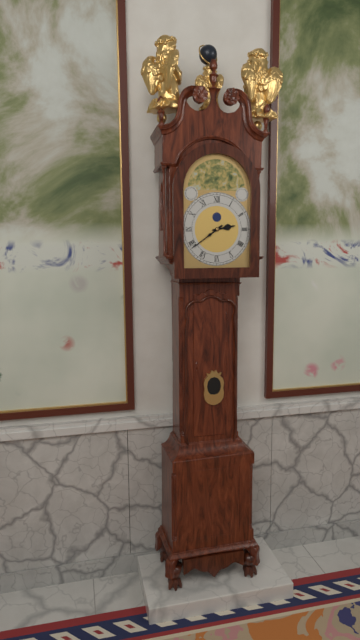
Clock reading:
2 h 39 min
